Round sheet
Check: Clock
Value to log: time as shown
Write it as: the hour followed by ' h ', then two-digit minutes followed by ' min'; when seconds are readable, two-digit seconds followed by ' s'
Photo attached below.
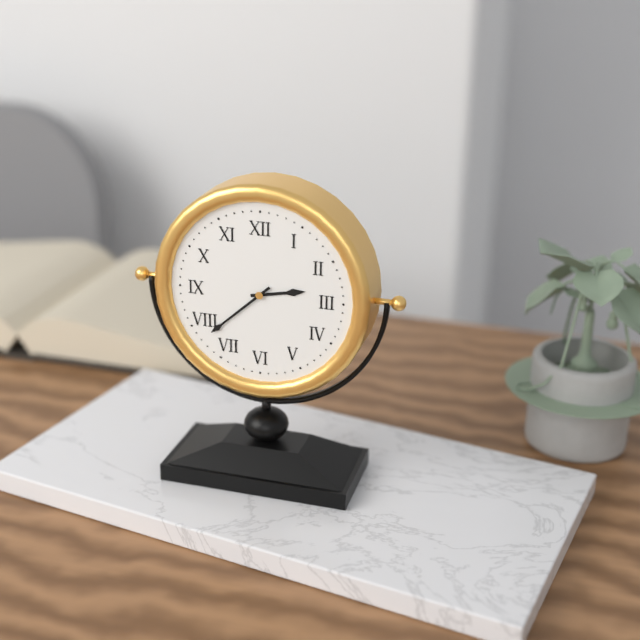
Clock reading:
2 h 38 min
